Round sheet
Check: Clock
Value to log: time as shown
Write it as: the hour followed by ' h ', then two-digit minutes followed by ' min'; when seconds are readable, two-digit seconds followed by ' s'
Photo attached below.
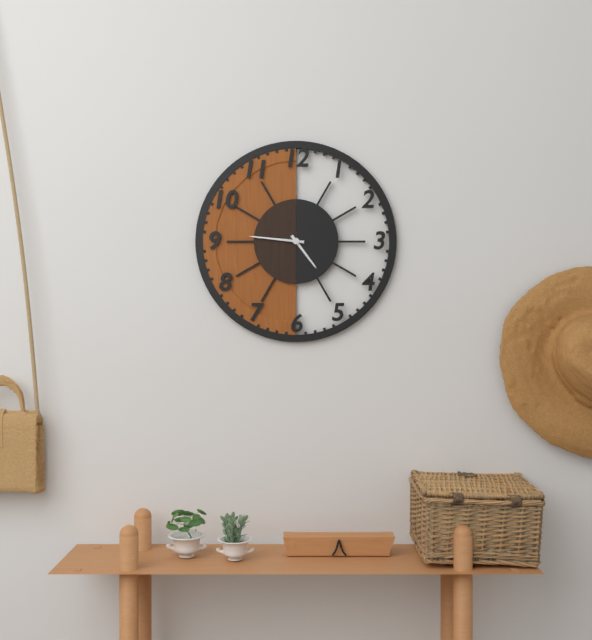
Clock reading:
4 h 46 min
